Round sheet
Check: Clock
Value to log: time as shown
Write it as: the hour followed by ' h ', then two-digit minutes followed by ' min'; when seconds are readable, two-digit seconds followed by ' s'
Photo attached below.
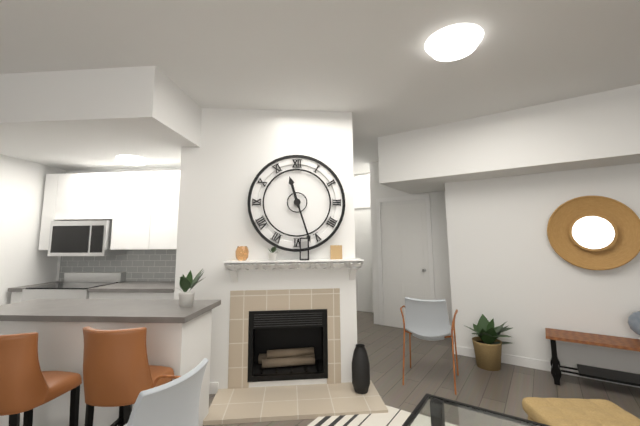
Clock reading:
11 h 27 min
